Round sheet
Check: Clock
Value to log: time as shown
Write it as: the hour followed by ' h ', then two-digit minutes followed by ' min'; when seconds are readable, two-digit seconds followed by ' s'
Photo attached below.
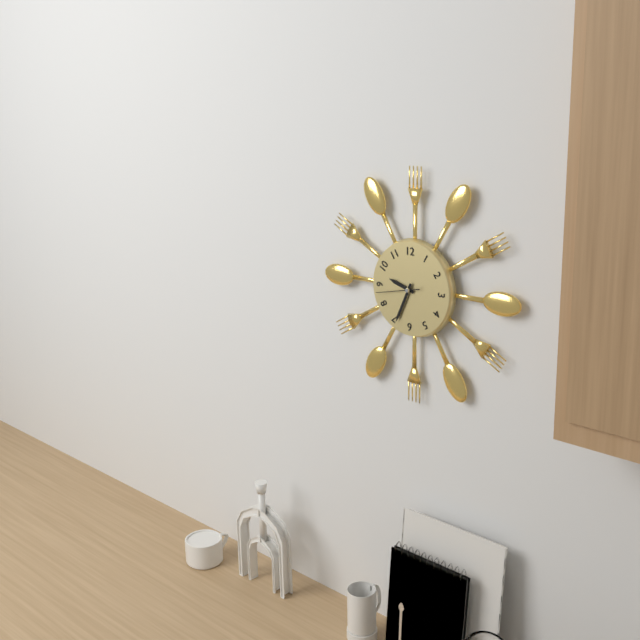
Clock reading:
9 h 34 min
